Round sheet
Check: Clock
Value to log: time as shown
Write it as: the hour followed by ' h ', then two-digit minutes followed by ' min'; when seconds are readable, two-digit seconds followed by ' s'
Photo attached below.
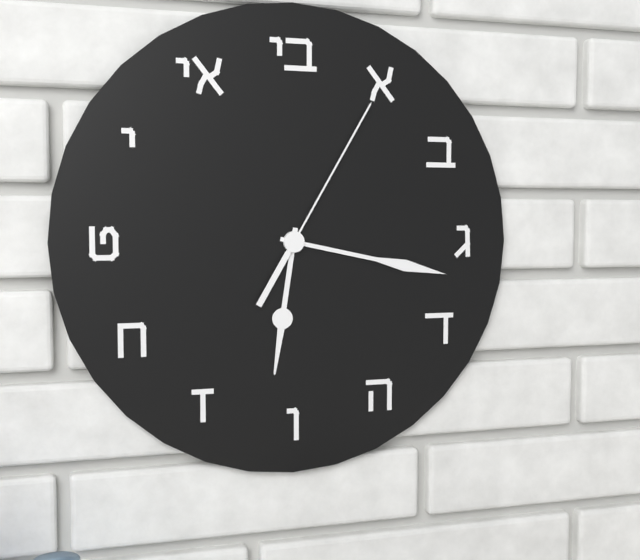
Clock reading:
6 h 17 min 05 s
